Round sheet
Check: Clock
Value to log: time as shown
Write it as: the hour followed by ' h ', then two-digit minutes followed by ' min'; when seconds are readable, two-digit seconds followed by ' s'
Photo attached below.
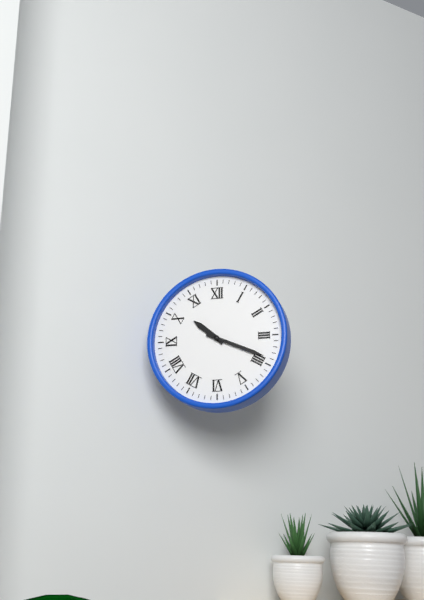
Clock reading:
10 h 19 min
